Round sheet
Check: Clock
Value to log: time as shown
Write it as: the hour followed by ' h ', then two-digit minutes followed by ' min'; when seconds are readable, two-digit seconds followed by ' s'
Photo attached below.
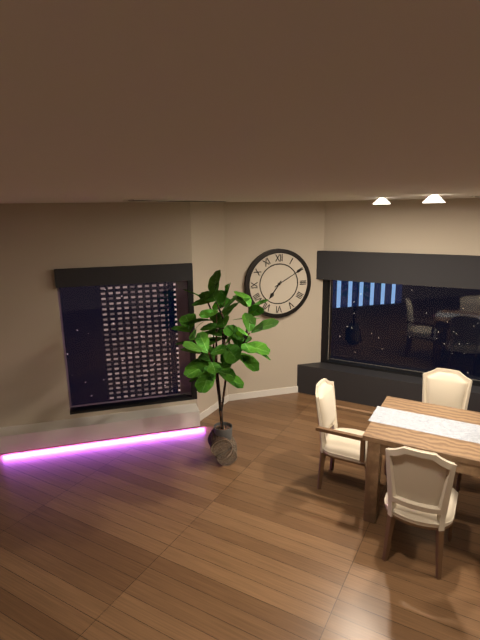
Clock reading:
7 h 10 min
